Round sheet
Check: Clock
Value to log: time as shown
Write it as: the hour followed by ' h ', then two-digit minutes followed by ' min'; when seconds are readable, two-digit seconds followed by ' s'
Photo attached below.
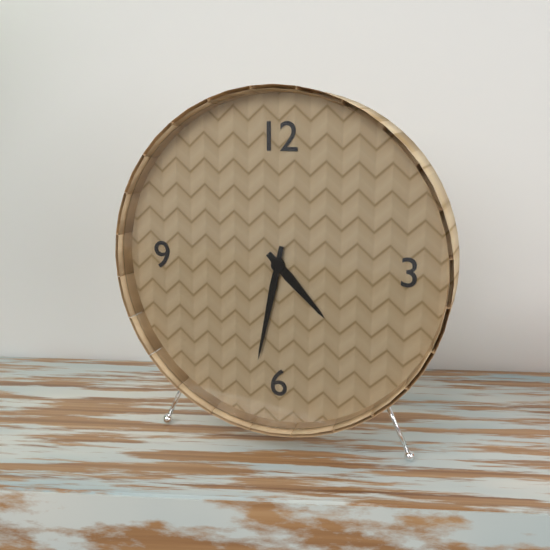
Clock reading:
4 h 32 min
